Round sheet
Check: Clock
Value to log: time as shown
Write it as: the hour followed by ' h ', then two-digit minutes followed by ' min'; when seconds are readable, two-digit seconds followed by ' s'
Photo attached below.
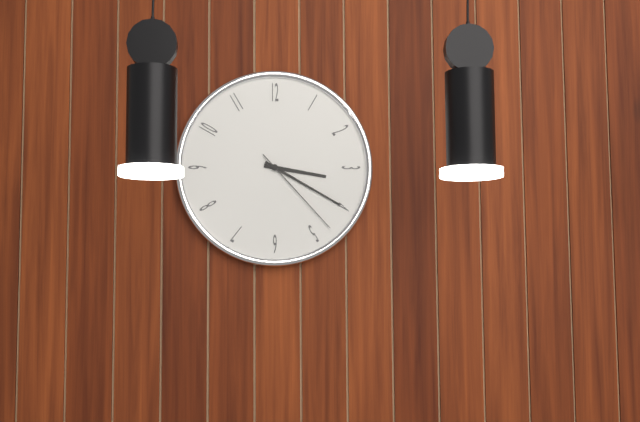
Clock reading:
3 h 20 min 23 s
